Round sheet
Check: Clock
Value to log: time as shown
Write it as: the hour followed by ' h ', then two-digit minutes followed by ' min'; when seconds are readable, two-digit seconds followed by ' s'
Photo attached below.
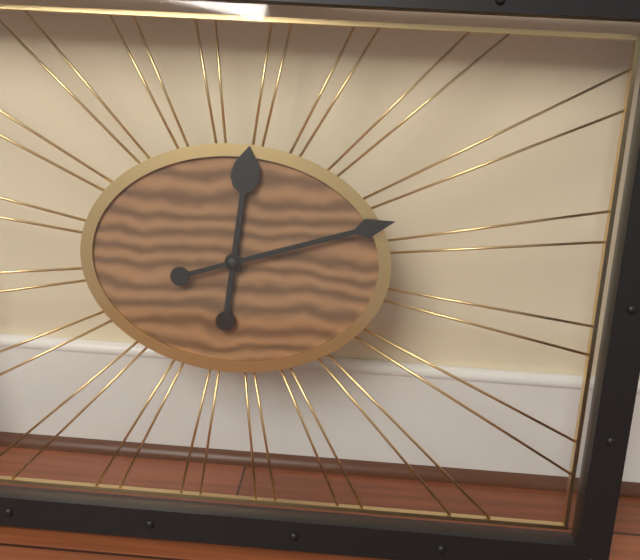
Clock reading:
12 h 12 min
